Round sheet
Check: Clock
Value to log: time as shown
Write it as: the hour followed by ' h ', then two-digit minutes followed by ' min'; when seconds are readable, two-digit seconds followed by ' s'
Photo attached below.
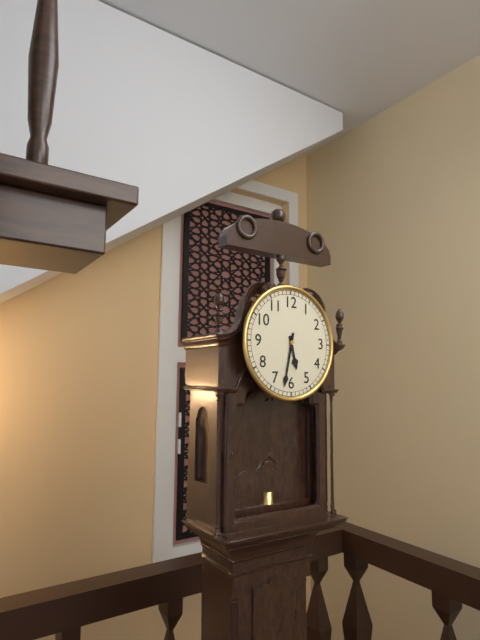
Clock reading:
5 h 32 min
